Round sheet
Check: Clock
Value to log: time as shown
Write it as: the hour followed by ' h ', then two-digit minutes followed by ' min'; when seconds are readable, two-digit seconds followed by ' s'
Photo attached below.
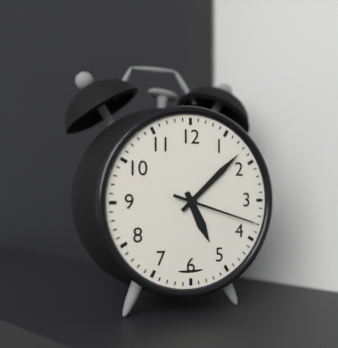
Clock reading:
5 h 08 min 18 s
